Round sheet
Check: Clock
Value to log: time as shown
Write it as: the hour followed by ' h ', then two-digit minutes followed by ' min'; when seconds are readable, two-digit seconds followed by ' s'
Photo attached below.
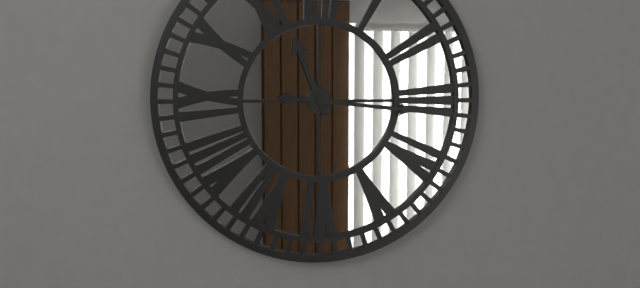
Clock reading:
11 h 16 min
